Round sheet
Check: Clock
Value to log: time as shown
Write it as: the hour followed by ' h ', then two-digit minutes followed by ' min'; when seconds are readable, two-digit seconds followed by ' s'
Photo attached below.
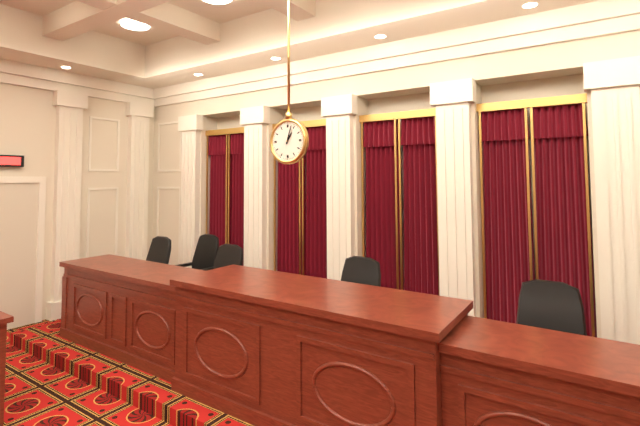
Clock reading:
1 h 03 min
